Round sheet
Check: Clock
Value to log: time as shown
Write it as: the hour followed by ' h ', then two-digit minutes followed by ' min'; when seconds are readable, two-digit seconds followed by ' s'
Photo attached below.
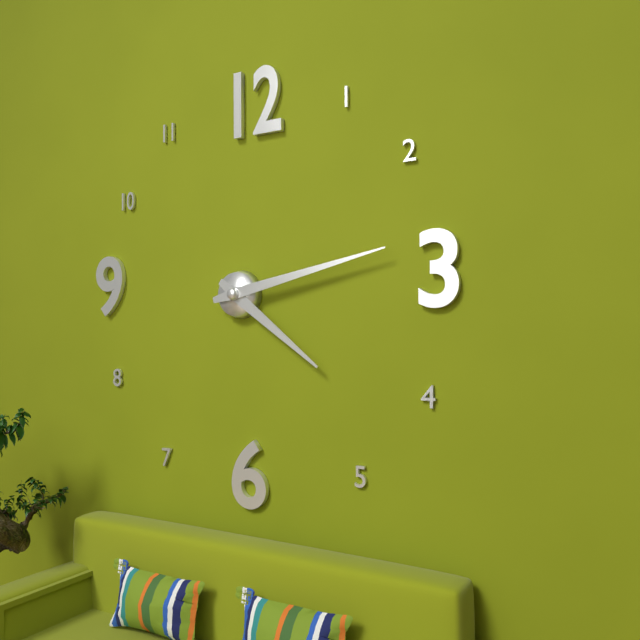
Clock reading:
4 h 13 min
